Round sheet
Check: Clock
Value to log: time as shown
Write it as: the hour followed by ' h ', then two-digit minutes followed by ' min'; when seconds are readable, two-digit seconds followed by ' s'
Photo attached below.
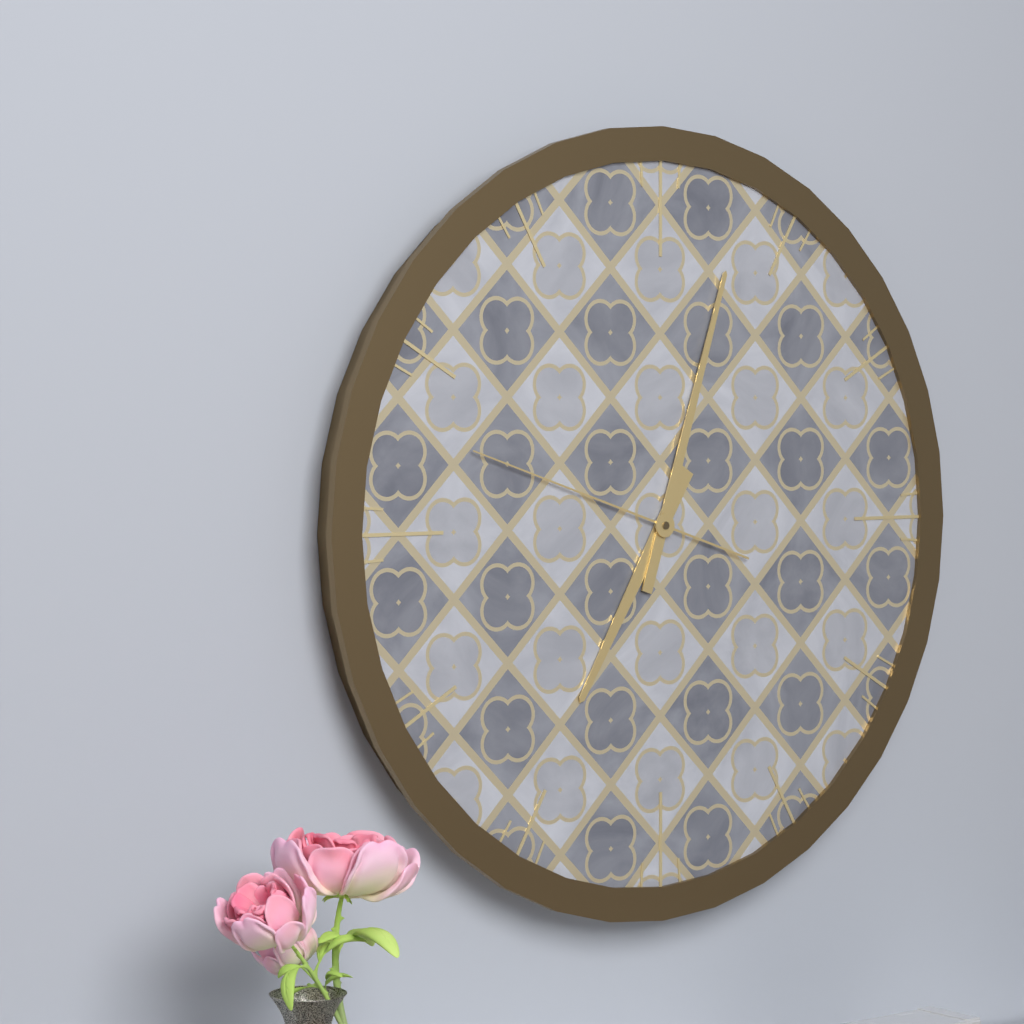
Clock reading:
7 h 03 min 48 s
